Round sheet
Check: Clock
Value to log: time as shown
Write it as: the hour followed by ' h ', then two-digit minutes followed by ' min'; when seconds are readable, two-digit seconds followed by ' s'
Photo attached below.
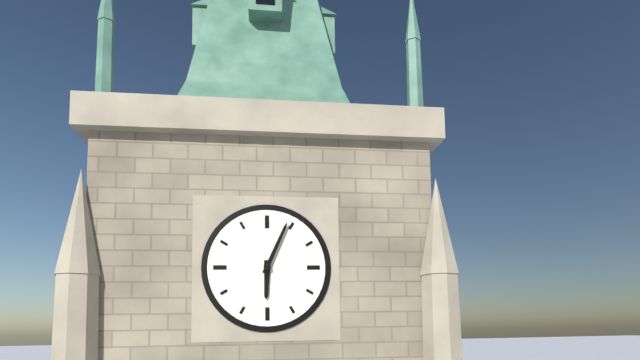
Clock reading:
6 h 04 min
